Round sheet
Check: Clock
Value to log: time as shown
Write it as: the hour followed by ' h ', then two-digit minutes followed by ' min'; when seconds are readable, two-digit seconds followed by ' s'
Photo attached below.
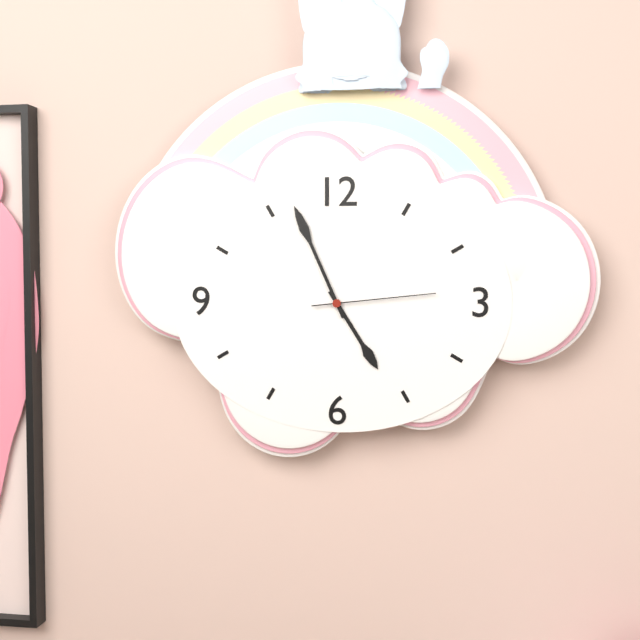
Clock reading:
4 h 56 min 14 s
